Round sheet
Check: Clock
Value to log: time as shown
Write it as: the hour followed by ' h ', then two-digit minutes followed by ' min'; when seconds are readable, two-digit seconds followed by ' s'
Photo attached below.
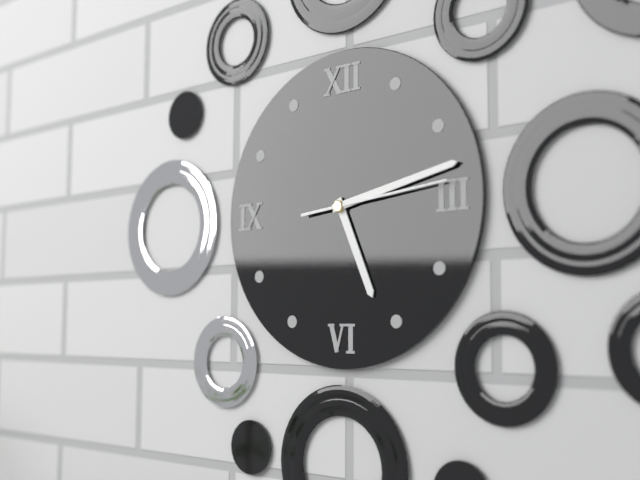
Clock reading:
5 h 13 min 14 s
